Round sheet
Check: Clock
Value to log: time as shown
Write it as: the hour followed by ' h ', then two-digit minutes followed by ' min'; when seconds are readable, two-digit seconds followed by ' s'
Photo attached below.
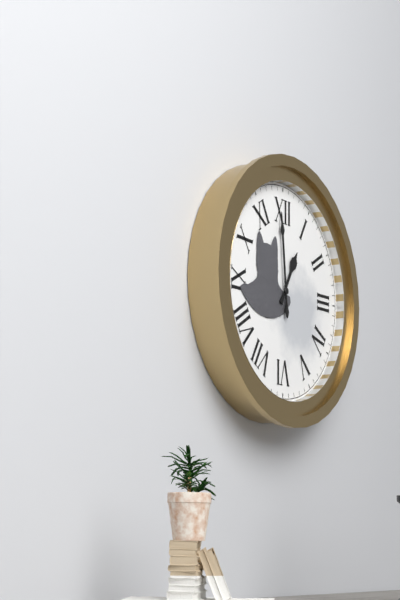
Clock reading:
12 h 59 min
